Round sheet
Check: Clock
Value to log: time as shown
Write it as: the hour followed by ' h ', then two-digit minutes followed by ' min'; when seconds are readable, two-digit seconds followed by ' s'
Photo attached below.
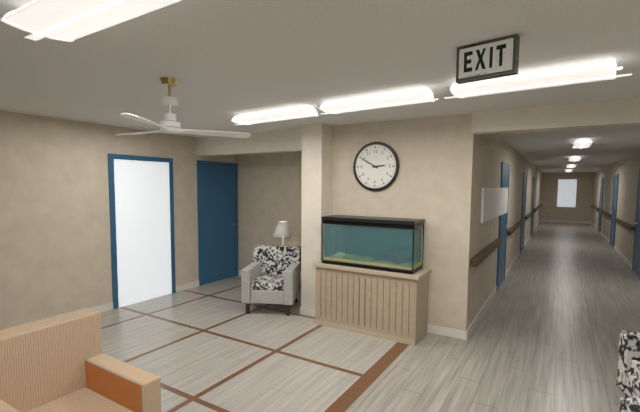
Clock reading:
2 h 50 min
